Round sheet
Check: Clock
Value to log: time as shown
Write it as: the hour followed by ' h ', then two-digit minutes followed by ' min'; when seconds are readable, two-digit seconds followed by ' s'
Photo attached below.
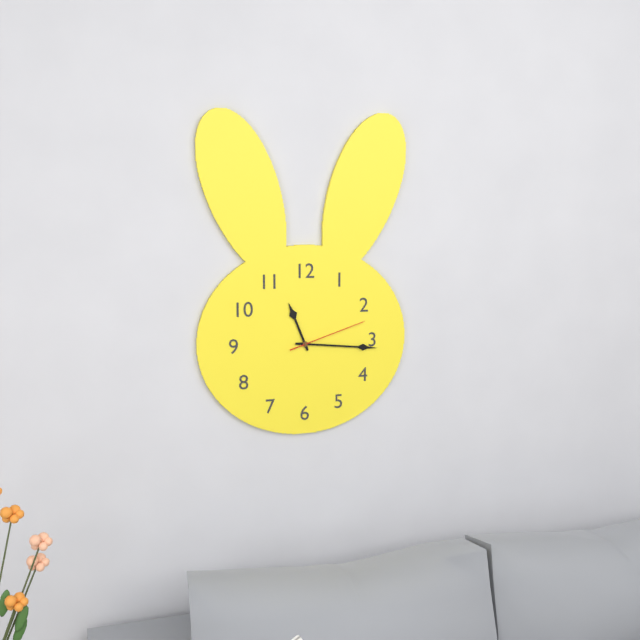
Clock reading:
11 h 16 min 12 s
